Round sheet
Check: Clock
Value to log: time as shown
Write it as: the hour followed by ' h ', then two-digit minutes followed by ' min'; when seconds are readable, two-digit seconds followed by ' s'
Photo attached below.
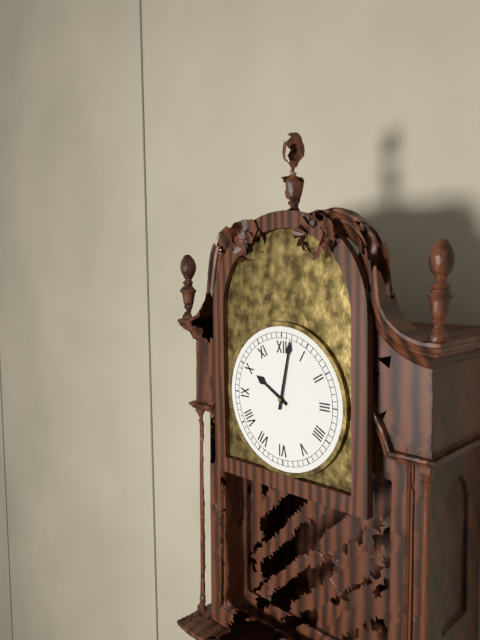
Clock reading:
10 h 02 min
